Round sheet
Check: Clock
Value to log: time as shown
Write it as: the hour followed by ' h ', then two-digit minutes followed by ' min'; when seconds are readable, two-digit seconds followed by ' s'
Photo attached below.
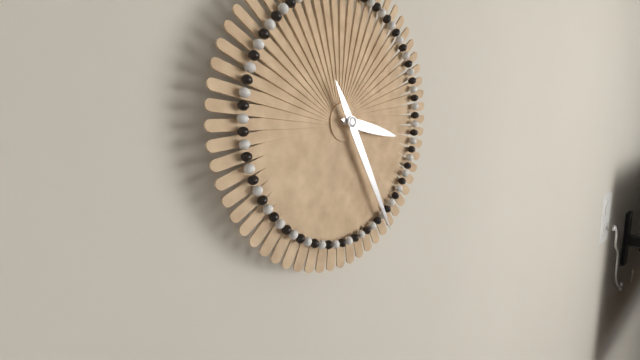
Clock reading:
3 h 25 min
